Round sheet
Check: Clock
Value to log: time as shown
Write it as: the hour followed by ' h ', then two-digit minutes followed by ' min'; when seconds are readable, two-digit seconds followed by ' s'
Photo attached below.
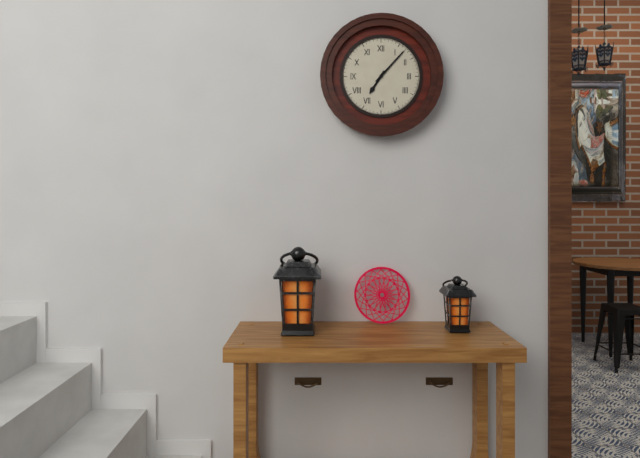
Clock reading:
7 h 07 min
